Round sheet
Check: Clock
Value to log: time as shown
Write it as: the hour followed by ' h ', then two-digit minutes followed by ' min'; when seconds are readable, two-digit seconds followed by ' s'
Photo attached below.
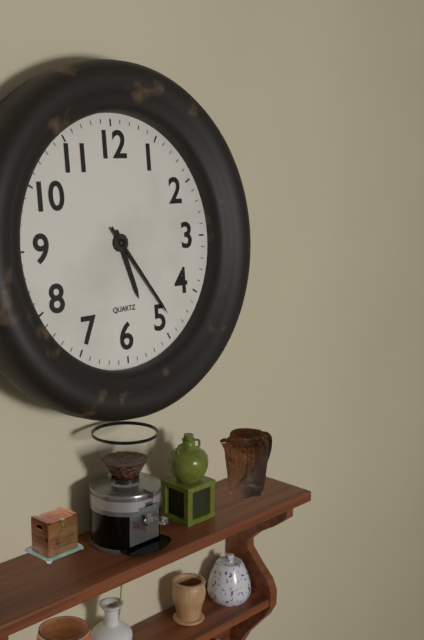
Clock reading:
5 h 24 min
